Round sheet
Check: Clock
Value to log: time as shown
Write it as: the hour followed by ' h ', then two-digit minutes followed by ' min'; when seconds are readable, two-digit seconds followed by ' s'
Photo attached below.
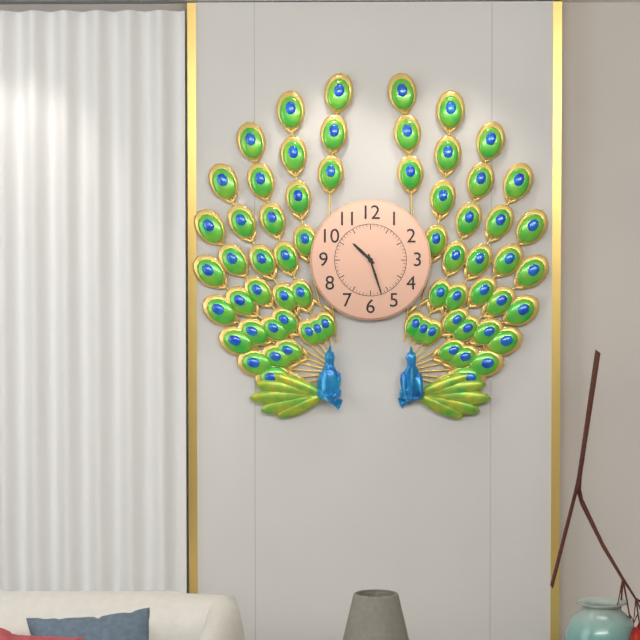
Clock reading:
10 h 27 min
